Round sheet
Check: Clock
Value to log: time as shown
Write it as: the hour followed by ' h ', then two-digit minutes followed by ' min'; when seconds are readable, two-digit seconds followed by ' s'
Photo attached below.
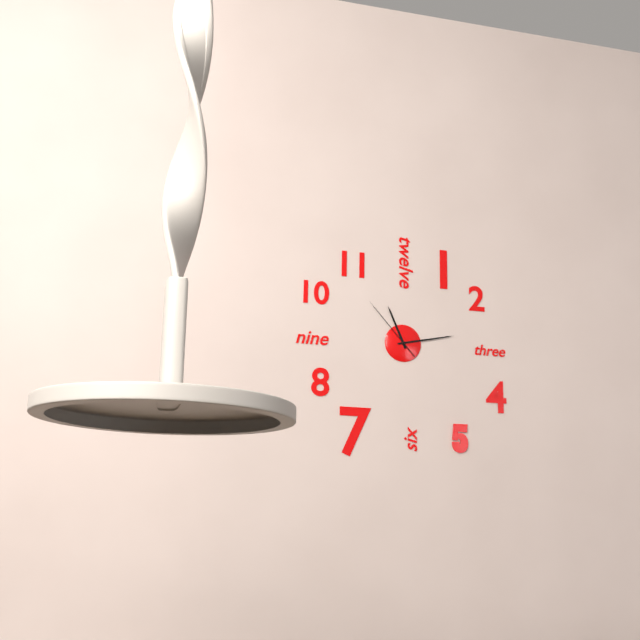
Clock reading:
11 h 13 min 53 s
